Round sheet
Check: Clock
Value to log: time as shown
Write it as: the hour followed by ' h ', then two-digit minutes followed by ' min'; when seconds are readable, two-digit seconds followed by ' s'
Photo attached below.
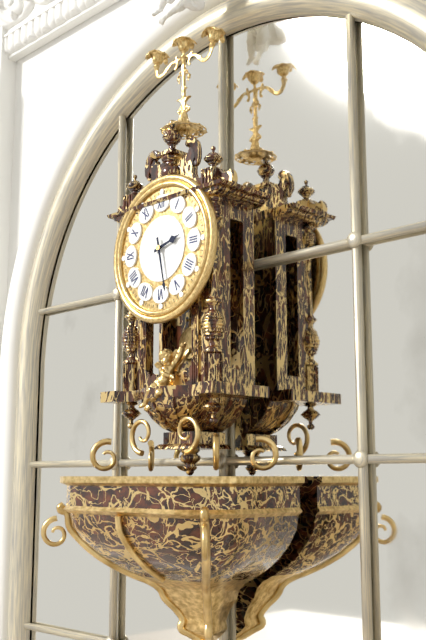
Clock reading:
2 h 28 min
